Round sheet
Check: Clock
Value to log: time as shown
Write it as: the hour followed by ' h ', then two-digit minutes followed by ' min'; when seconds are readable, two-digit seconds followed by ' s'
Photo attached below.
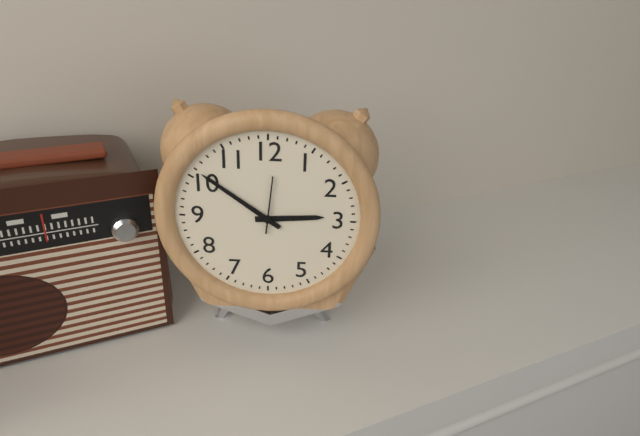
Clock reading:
2 h 51 min 01 s
